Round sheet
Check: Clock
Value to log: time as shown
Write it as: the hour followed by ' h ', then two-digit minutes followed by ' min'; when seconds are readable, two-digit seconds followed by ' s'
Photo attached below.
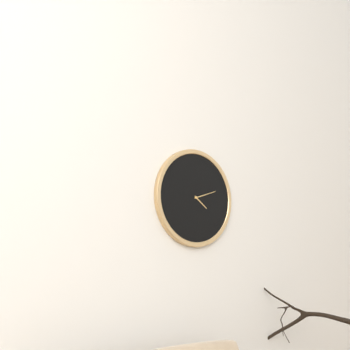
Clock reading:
4 h 12 min
